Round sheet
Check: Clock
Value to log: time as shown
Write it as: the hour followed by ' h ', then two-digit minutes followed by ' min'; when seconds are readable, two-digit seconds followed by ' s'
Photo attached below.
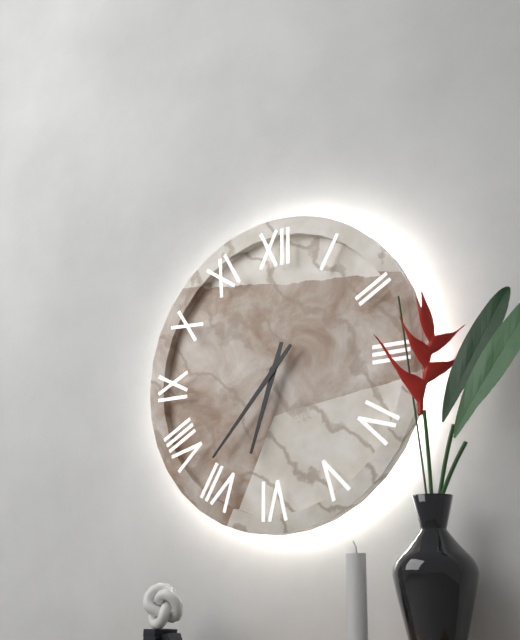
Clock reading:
6 h 37 min
